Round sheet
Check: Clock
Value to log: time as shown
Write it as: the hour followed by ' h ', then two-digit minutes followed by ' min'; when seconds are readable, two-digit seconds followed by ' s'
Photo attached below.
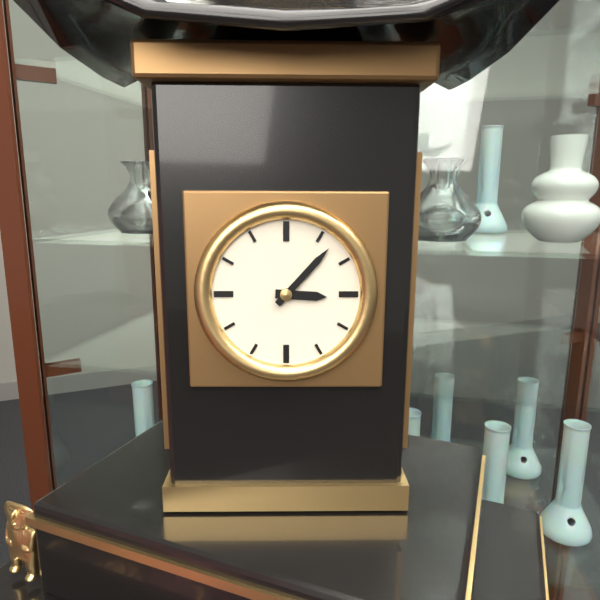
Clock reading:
3 h 07 min
